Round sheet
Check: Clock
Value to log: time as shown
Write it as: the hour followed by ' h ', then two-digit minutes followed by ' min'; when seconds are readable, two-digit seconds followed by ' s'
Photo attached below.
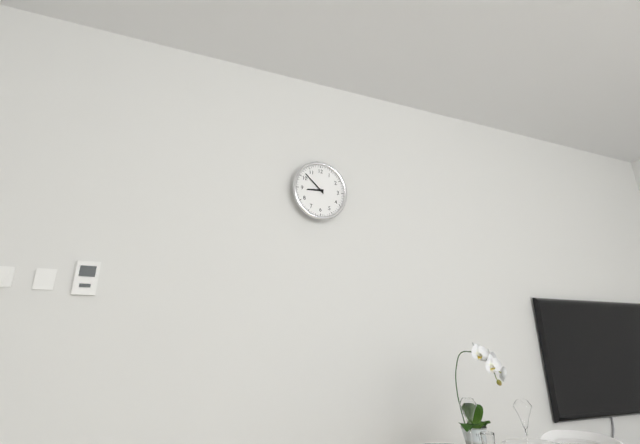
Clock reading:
8 h 52 min
